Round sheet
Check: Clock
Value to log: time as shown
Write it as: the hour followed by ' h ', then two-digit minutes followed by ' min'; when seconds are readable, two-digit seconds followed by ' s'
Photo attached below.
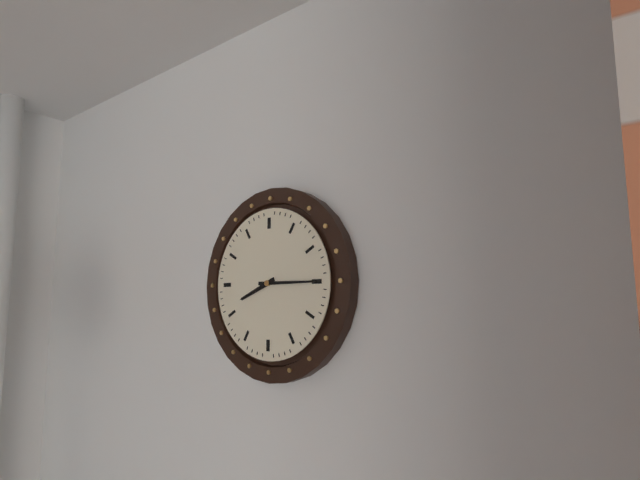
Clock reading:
8 h 15 min
